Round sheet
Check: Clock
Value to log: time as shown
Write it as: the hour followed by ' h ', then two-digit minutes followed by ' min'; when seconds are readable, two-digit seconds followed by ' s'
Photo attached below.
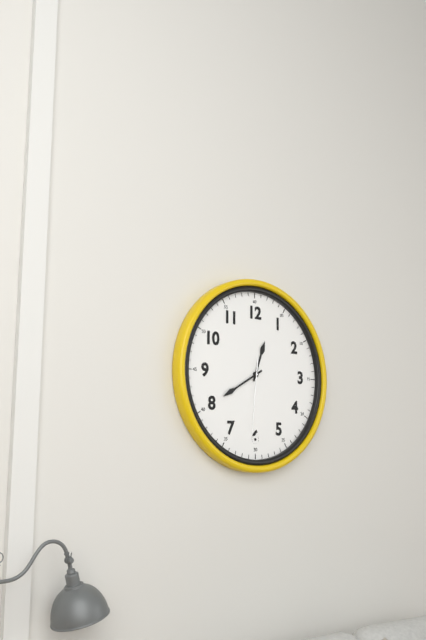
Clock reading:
12 h 40 min 31 s
